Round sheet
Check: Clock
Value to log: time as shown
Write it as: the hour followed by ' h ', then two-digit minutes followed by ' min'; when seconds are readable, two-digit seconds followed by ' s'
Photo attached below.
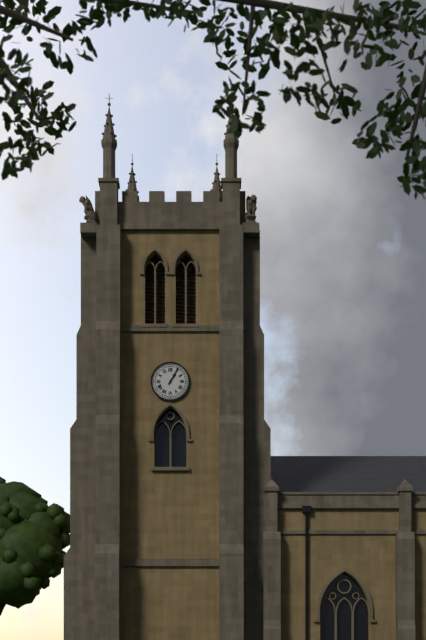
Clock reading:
1 h 05 min
